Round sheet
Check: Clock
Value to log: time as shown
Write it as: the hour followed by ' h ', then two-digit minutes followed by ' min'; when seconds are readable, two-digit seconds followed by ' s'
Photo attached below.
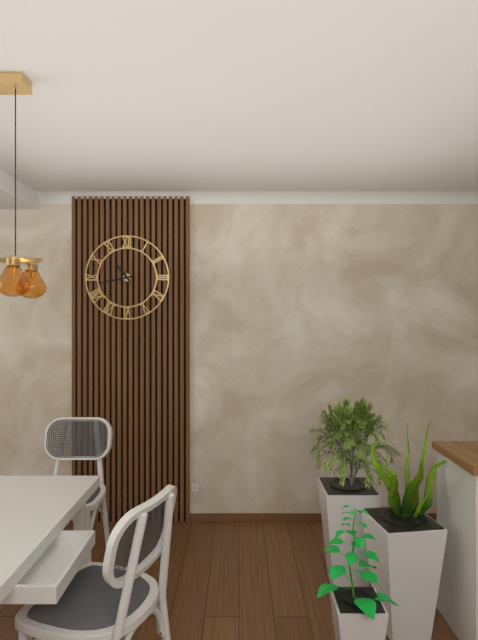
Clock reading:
10 h 43 min
